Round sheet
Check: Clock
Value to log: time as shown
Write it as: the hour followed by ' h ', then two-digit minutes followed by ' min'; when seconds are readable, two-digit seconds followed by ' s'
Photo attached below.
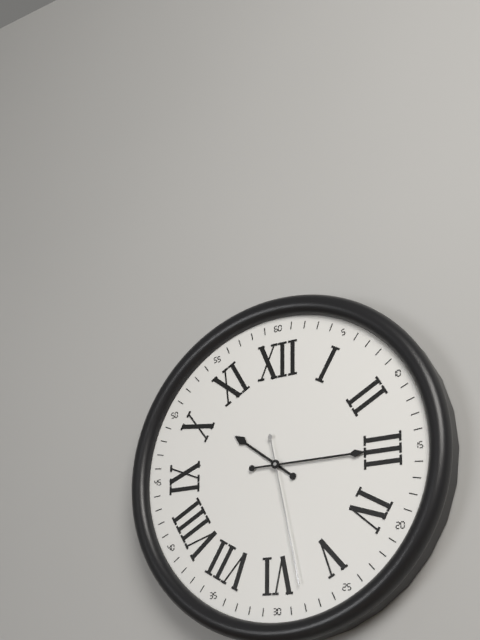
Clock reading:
10 h 15 min 28 s
